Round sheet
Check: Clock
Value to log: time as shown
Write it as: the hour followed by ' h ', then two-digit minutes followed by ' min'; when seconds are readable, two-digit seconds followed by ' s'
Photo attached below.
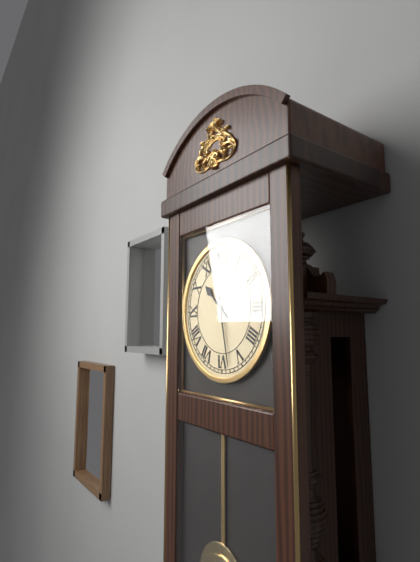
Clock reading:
10 h 28 min
